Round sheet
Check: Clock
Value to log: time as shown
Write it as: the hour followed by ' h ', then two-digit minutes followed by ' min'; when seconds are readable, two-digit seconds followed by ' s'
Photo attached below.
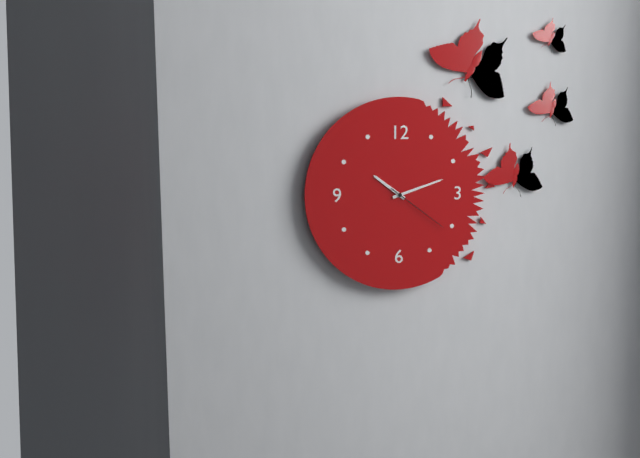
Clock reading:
10 h 12 min 21 s
